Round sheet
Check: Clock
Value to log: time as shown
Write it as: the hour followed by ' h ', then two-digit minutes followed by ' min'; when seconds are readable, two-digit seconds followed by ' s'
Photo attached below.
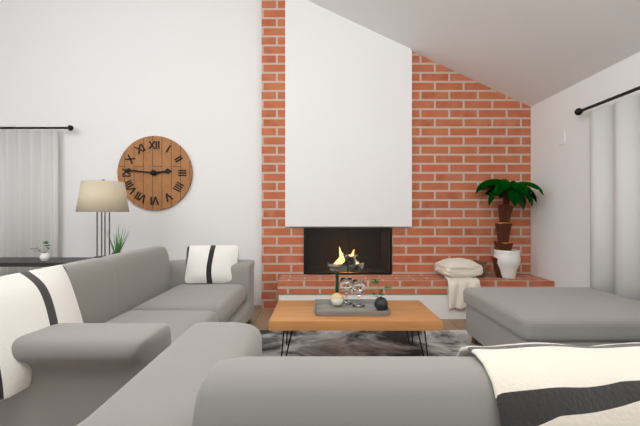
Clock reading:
2 h 46 min
